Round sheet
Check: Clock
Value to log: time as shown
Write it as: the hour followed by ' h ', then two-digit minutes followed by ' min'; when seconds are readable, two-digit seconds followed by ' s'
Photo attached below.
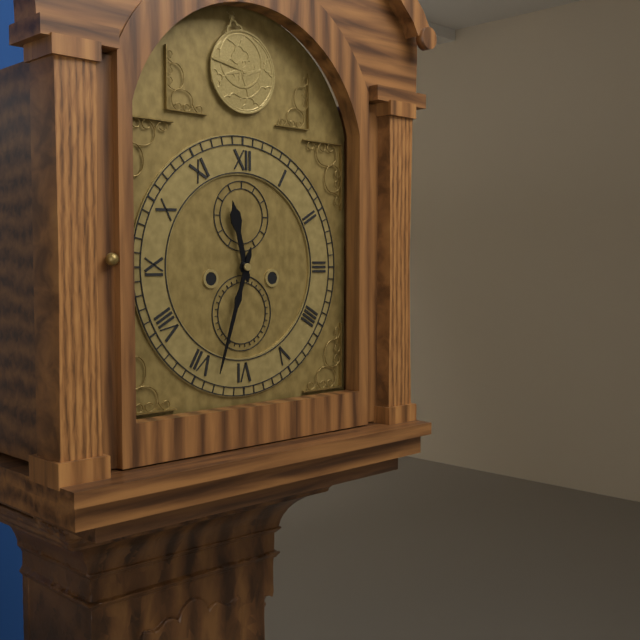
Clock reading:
11 h 33 min
